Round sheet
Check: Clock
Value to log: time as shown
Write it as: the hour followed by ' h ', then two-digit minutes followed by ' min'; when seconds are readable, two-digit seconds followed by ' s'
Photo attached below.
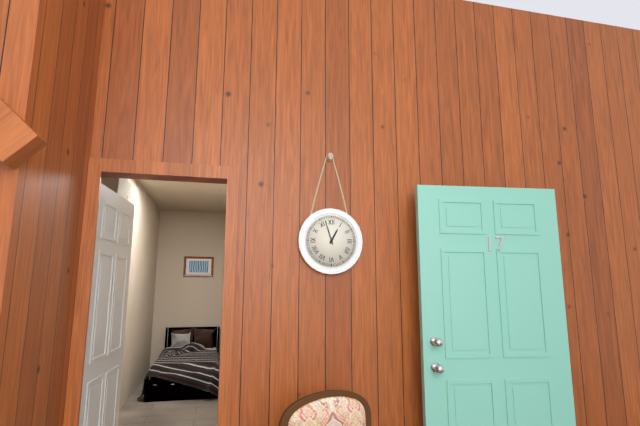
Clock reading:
12 h 57 min
